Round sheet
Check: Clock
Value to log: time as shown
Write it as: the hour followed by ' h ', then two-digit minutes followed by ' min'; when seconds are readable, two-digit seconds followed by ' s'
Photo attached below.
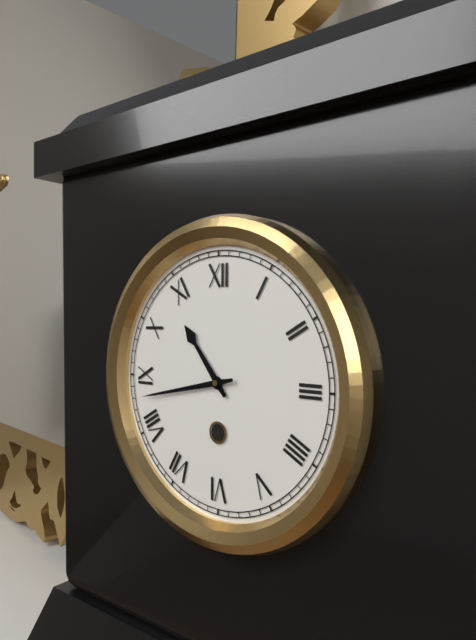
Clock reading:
10 h 43 min
